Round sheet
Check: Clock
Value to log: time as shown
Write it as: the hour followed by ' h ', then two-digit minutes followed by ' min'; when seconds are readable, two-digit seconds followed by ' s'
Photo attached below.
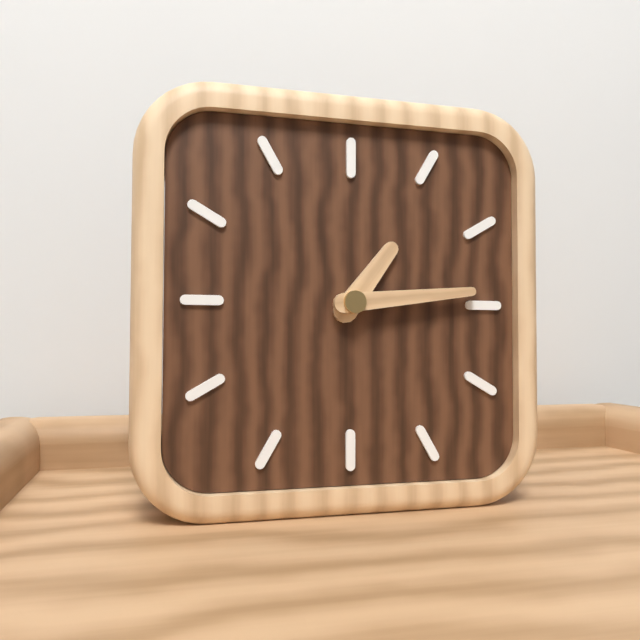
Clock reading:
1 h 14 min
